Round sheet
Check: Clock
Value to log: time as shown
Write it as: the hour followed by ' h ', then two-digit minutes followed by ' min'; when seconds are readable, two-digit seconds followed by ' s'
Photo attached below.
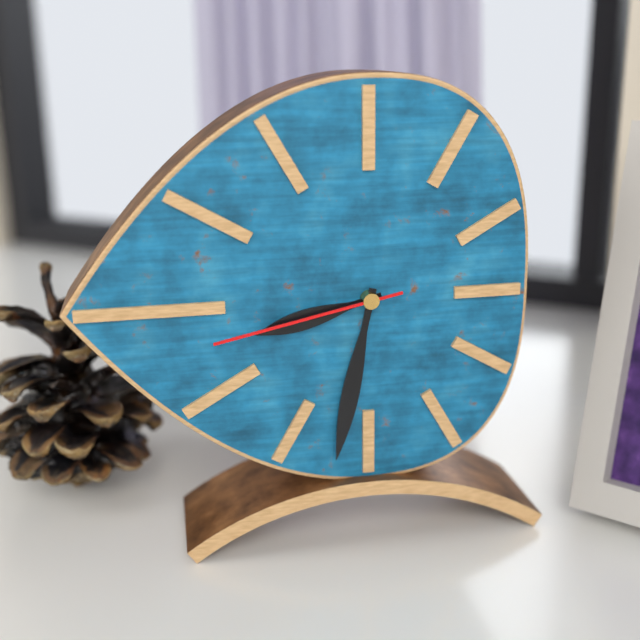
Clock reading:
8 h 32 min 43 s
